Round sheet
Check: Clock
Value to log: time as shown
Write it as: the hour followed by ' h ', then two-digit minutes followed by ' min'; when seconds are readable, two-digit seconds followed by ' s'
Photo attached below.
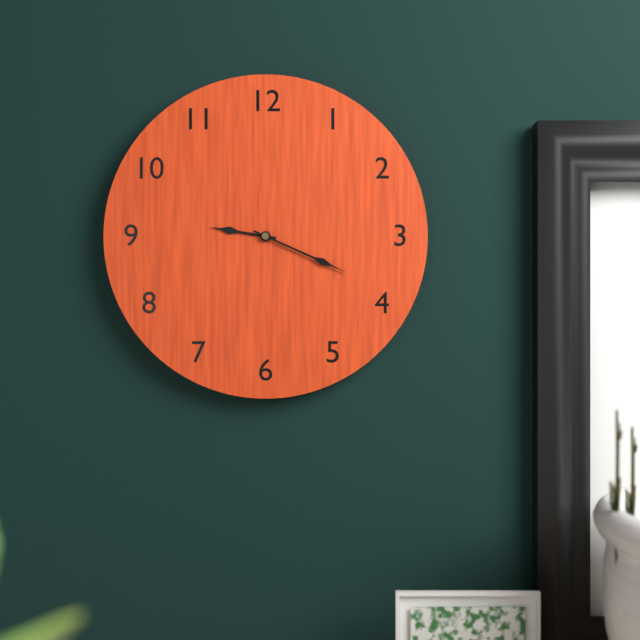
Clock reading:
9 h 19 min
